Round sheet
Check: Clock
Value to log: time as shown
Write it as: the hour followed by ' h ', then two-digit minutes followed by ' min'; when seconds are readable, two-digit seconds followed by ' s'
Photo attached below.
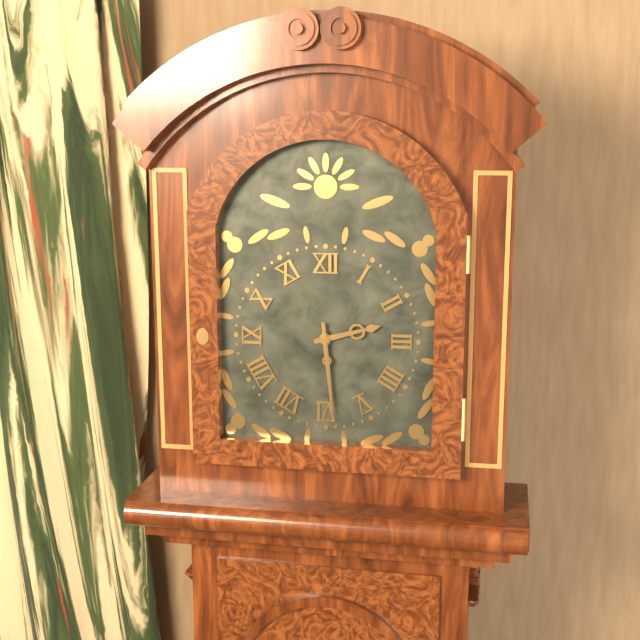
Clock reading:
2 h 29 min
